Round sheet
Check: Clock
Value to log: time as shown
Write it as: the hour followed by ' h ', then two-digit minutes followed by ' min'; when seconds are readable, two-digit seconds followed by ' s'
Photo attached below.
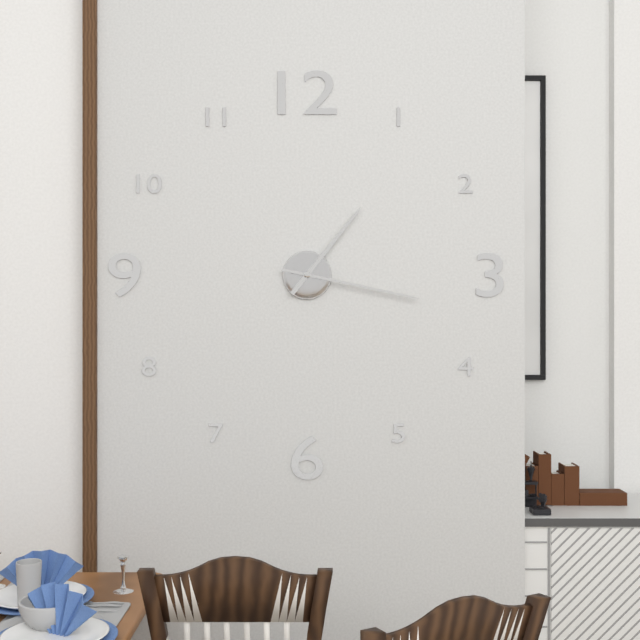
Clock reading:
1 h 17 min
